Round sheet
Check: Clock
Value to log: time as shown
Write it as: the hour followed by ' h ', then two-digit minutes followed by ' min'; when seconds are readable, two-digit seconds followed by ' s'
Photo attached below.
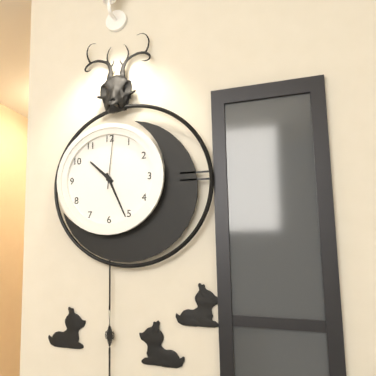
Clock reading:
10 h 26 min 01 s
